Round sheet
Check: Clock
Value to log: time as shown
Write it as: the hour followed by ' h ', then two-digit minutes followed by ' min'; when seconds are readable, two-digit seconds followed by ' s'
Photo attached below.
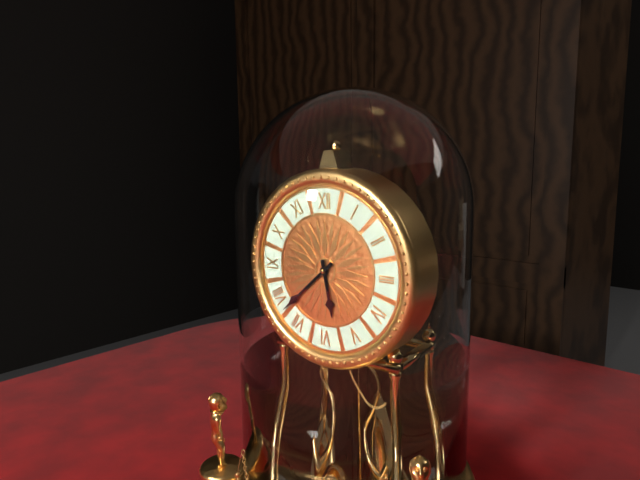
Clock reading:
5 h 38 min
